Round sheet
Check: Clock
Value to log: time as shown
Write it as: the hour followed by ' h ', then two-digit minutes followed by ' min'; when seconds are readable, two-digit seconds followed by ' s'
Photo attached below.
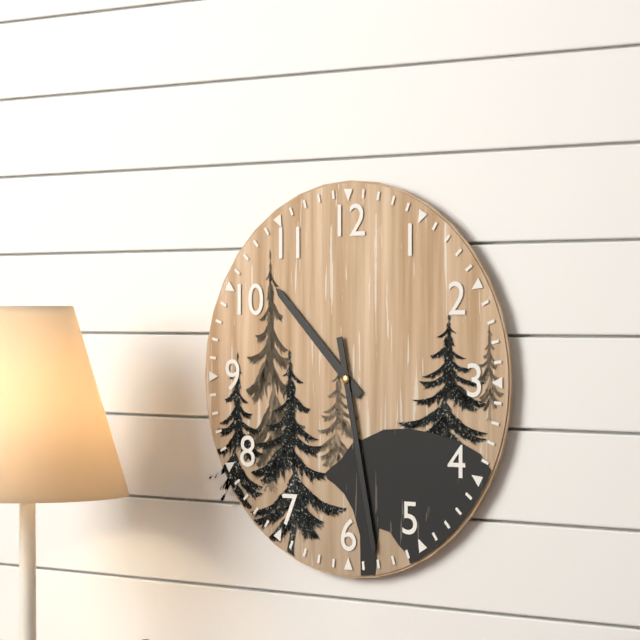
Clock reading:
10 h 28 min
